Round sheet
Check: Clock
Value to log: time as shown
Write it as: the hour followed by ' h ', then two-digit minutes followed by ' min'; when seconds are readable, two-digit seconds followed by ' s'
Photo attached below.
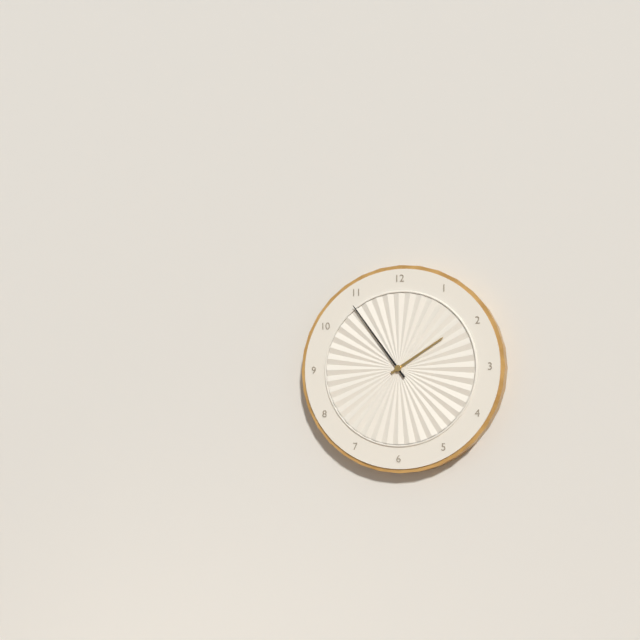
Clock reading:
1 h 54 min
